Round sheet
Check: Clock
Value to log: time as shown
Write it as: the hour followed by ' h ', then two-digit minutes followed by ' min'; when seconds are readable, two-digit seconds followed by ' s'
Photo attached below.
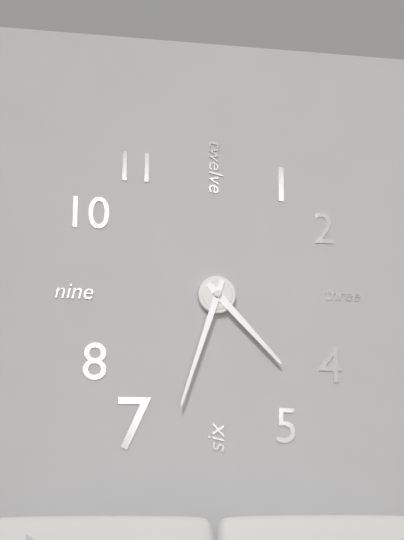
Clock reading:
4 h 33 min
